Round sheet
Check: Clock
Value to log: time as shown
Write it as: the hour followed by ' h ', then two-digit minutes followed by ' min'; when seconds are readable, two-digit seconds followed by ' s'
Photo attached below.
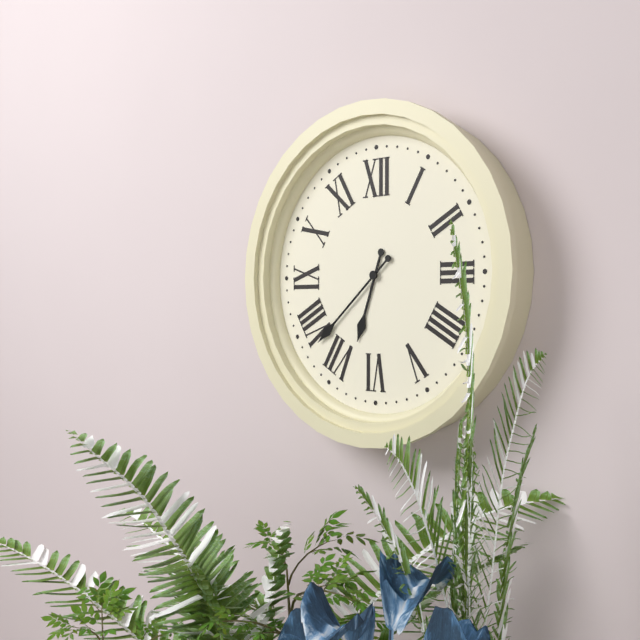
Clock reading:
6 h 38 min
